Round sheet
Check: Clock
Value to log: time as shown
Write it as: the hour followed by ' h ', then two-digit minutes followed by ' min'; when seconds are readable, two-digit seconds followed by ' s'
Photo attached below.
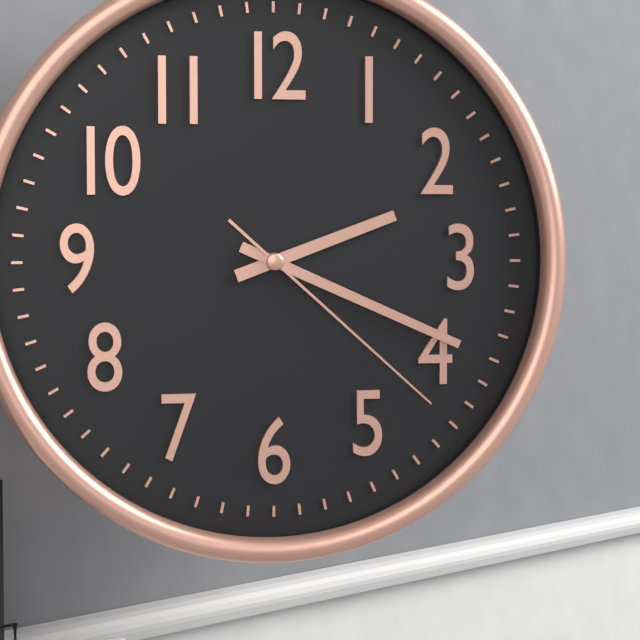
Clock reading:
2 h 19 min 22 s
